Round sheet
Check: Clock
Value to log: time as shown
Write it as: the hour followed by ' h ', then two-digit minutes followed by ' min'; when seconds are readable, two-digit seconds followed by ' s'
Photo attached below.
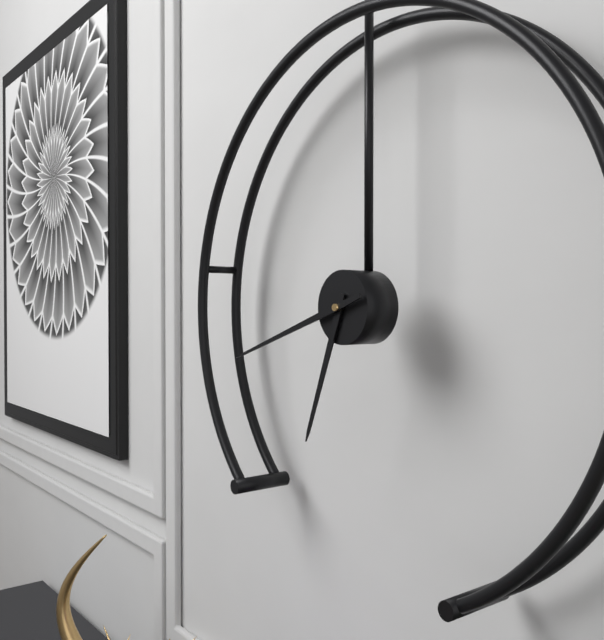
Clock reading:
6 h 42 min
